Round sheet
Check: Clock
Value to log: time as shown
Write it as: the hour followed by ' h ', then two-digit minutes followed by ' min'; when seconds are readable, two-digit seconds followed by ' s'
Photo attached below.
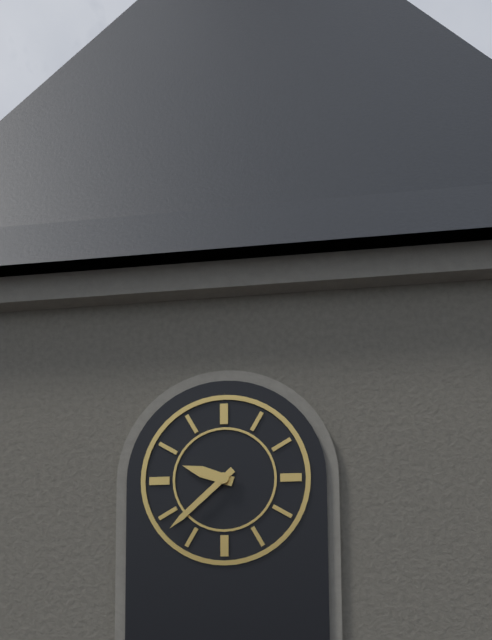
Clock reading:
9 h 38 min
